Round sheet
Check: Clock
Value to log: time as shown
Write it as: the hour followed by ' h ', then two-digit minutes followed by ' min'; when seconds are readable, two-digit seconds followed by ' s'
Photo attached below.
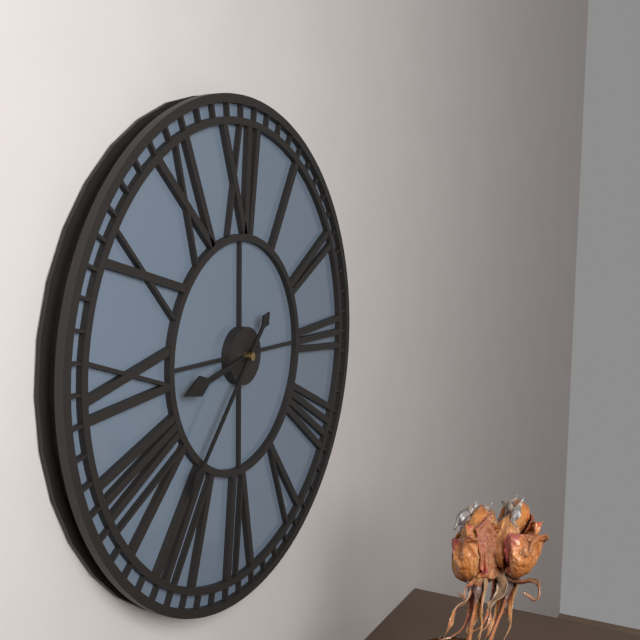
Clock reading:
8 h 37 min
